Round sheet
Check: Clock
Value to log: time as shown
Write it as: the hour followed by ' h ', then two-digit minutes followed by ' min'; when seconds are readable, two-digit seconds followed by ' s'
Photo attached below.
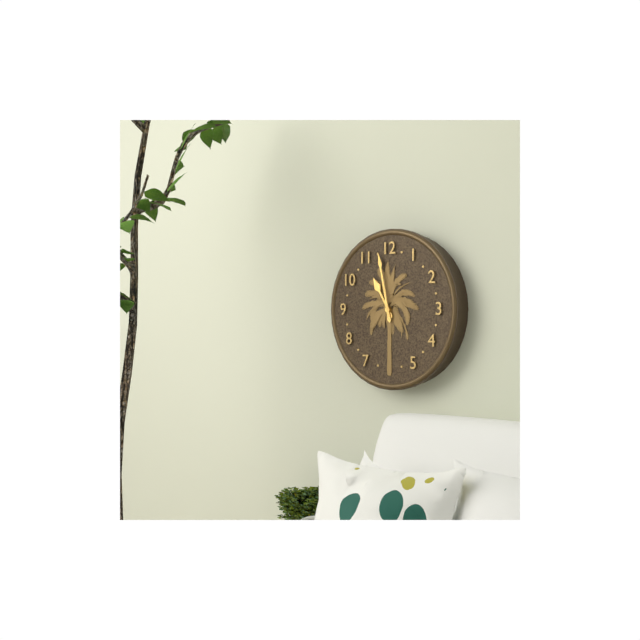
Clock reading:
10 h 58 min
